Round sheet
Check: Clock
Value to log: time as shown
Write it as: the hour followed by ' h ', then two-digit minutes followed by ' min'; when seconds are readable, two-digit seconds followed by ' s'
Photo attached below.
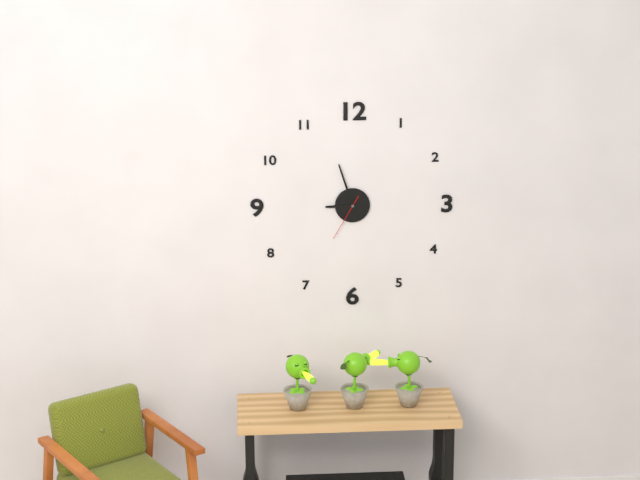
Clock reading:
8 h 57 min
